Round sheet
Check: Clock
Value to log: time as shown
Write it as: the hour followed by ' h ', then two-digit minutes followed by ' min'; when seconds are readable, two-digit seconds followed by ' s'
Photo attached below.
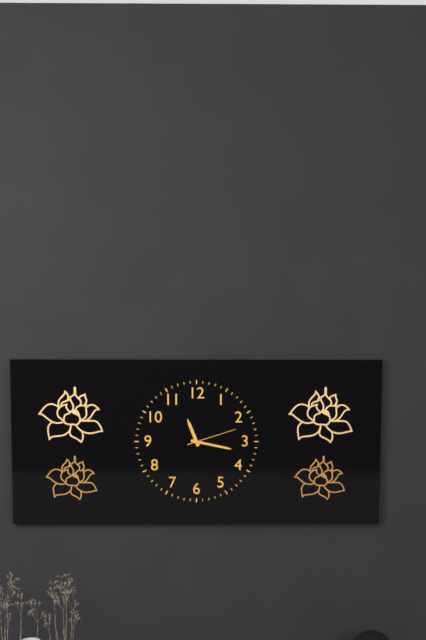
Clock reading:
11 h 17 min 12 s
